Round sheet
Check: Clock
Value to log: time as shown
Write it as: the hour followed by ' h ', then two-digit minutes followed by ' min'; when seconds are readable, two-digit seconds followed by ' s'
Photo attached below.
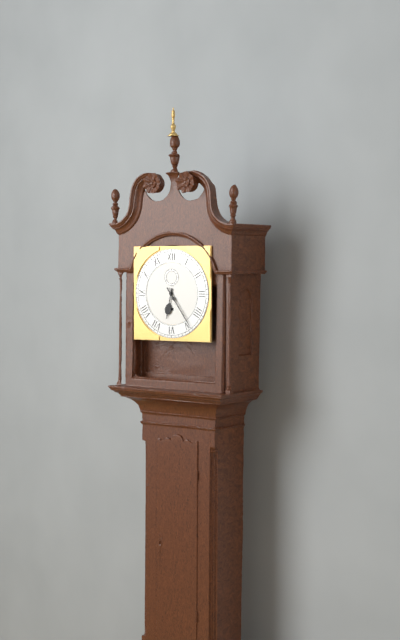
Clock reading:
6 h 24 min
